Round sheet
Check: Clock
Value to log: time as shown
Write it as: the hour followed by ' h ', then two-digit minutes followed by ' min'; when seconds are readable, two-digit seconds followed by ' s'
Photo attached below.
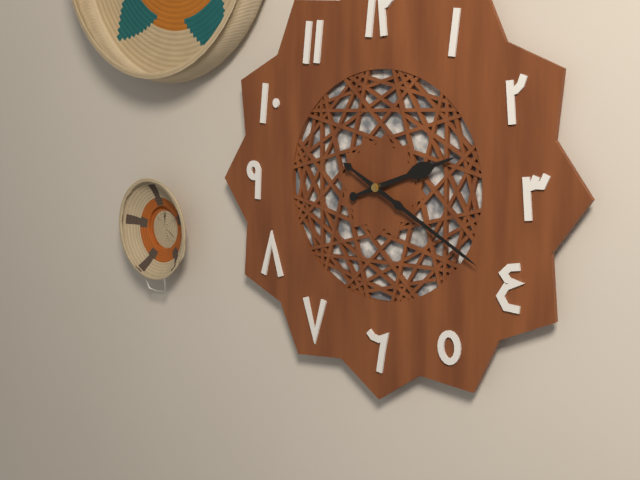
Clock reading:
2 h 20 min
